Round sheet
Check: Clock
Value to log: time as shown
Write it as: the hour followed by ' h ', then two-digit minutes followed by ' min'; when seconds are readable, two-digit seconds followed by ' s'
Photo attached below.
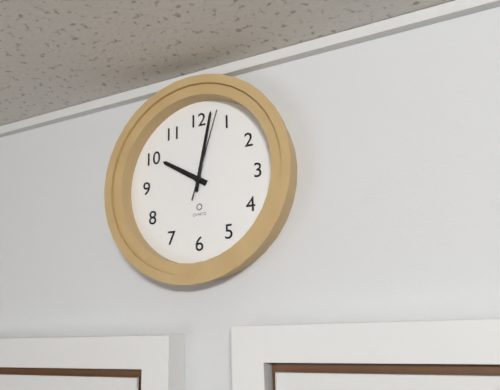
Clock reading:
10 h 02 min 03 s
